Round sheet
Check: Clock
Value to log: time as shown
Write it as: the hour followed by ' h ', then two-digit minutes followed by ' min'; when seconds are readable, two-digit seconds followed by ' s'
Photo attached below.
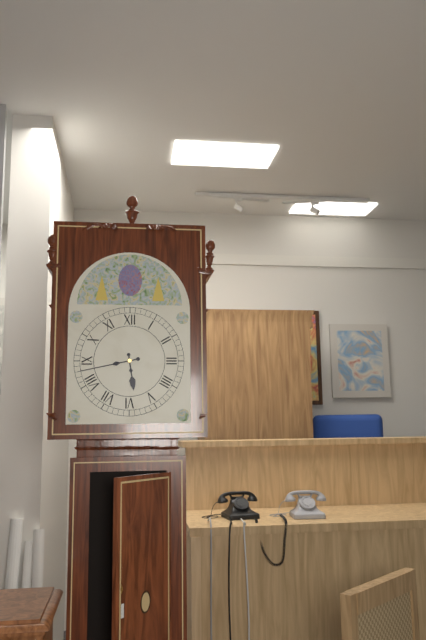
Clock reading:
5 h 43 min
